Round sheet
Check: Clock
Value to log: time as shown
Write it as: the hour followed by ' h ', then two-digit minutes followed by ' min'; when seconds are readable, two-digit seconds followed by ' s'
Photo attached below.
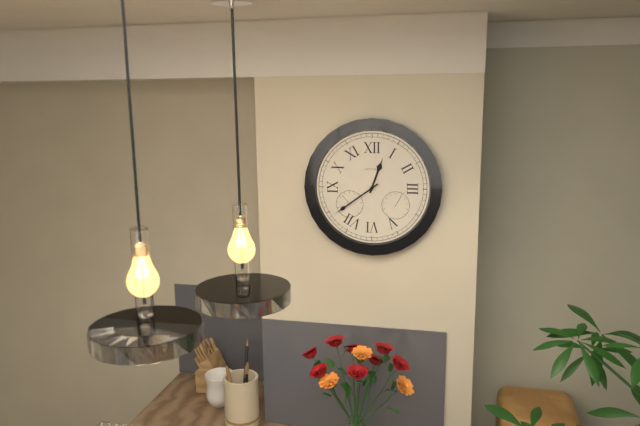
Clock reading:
12 h 39 min
